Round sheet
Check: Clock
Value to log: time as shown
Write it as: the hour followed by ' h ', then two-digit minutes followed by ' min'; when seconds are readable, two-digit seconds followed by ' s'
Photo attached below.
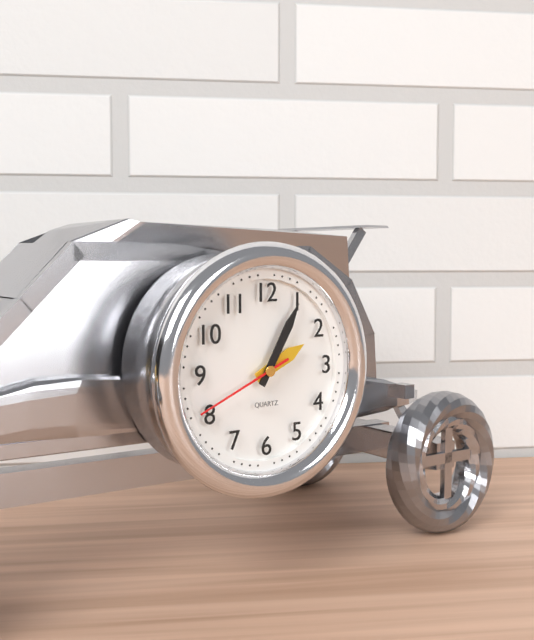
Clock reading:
2 h 05 min 41 s
